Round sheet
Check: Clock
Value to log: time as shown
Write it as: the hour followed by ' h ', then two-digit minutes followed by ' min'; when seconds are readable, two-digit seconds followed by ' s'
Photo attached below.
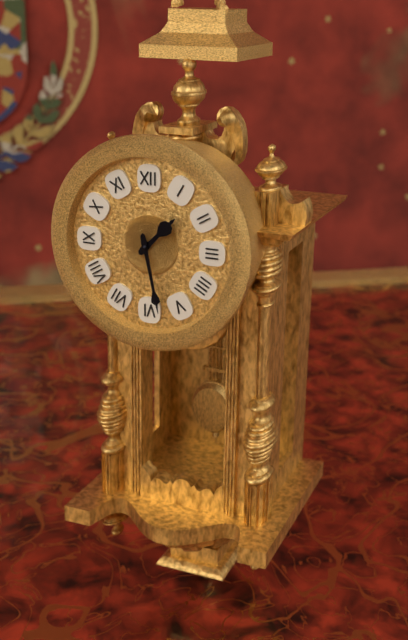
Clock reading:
1 h 28 min
